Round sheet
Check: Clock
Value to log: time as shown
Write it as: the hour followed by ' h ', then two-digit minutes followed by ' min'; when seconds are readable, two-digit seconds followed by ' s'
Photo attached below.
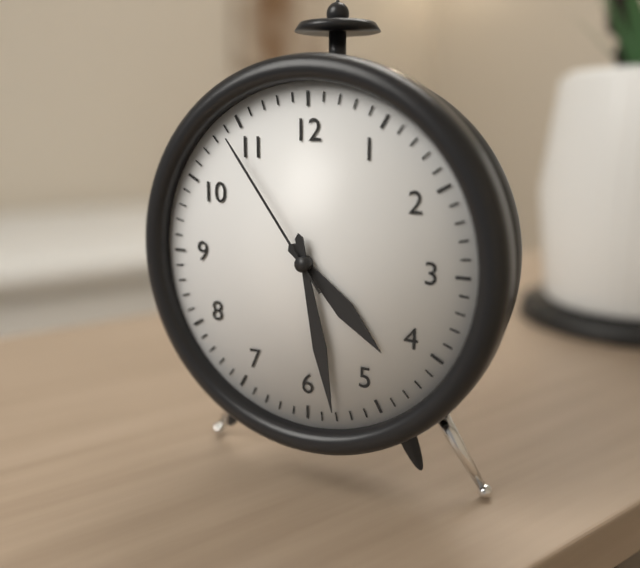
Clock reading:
4 h 28 min 54 s
